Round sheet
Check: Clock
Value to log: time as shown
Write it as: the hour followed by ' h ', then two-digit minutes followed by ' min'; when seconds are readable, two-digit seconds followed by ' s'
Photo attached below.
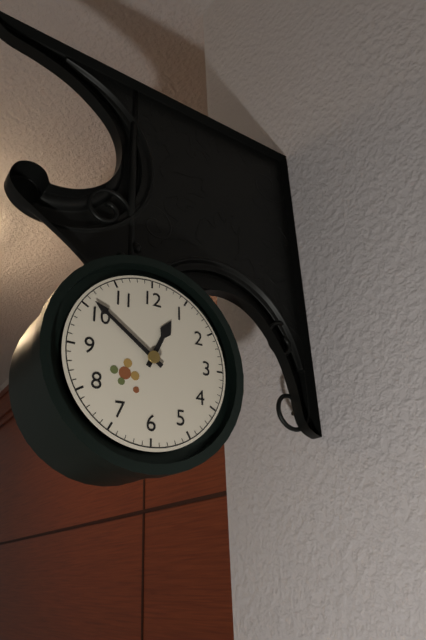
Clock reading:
12 h 51 min
